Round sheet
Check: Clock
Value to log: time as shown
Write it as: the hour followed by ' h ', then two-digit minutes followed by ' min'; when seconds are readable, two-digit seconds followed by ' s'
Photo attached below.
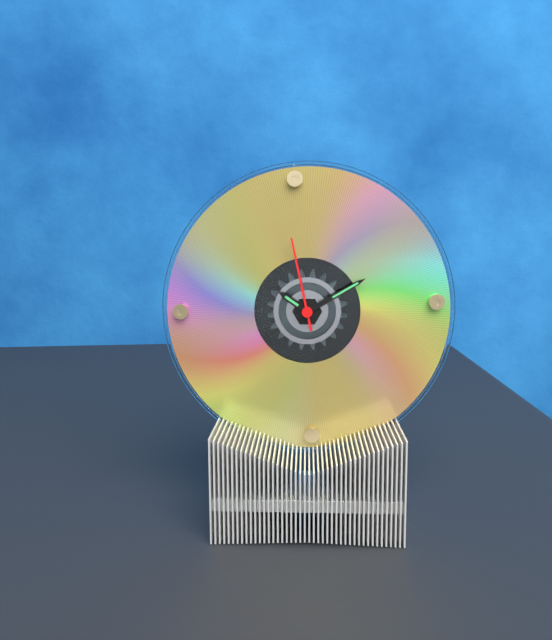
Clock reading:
10 h 10 min 58 s
